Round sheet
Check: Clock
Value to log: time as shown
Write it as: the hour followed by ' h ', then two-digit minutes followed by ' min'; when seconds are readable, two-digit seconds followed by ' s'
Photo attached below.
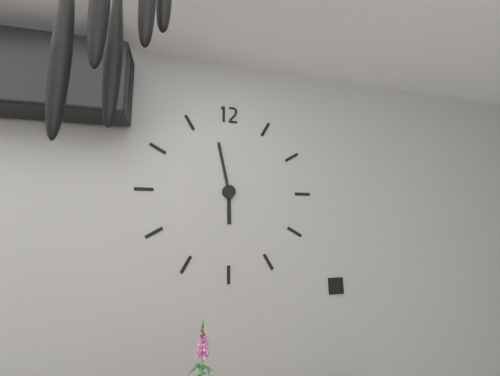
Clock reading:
5 h 58 min
